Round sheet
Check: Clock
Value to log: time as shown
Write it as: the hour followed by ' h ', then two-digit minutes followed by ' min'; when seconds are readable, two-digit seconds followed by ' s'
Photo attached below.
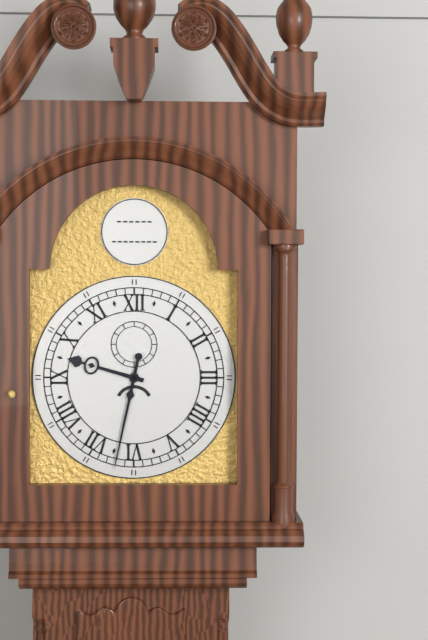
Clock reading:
9 h 32 min
